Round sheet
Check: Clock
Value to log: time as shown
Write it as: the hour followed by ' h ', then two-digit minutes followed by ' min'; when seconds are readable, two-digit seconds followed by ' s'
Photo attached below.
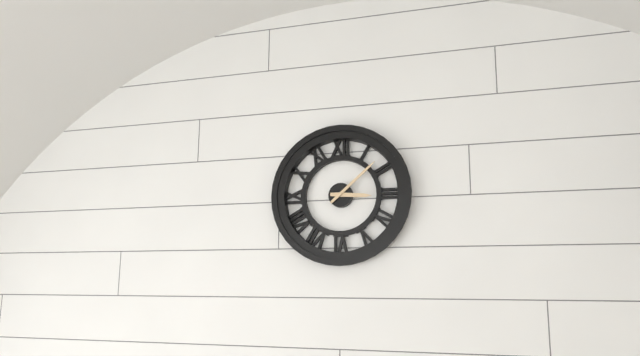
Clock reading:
3 h 08 min
